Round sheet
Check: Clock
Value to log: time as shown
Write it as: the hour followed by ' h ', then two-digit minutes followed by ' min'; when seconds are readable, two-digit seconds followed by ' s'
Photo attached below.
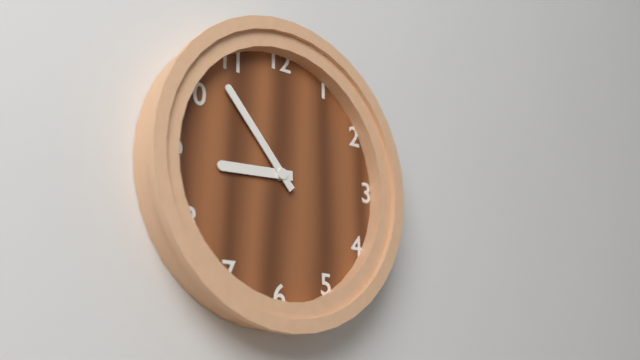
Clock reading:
8 h 53 min
